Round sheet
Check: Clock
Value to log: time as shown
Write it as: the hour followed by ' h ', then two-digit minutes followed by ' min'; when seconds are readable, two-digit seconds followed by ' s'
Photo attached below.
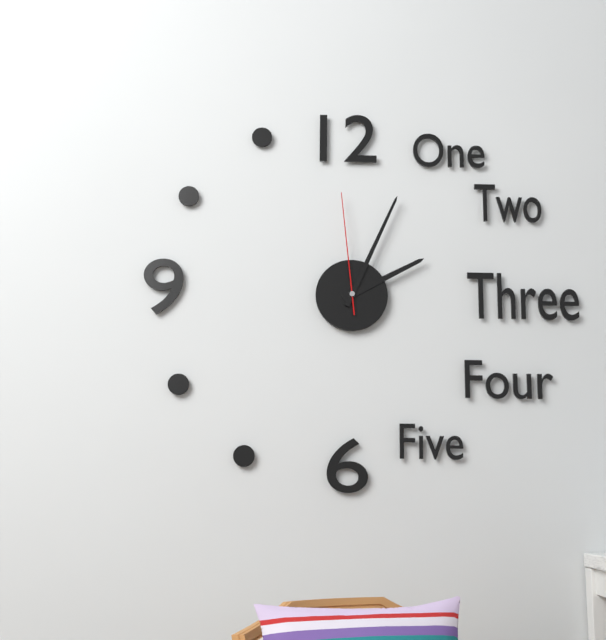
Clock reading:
2 h 04 min 59 s
